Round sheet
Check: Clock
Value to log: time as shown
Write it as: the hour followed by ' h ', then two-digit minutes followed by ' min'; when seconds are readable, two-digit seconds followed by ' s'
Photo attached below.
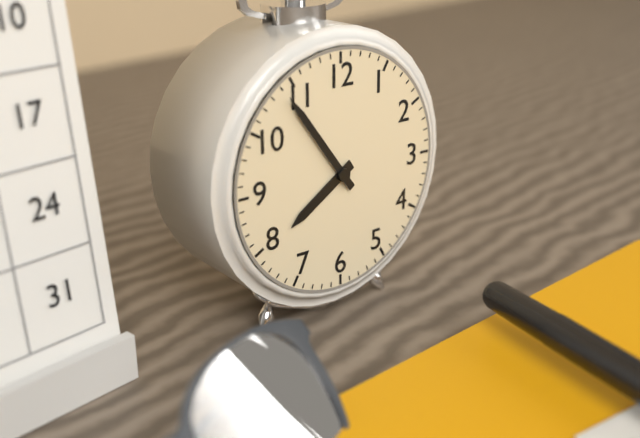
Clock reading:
7 h 54 min
